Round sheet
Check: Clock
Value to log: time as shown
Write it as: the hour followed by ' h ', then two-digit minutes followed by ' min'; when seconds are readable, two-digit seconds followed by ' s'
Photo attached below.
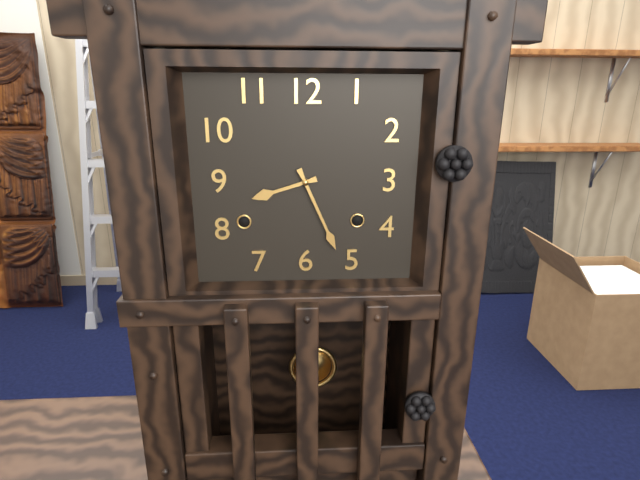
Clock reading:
8 h 26 min
